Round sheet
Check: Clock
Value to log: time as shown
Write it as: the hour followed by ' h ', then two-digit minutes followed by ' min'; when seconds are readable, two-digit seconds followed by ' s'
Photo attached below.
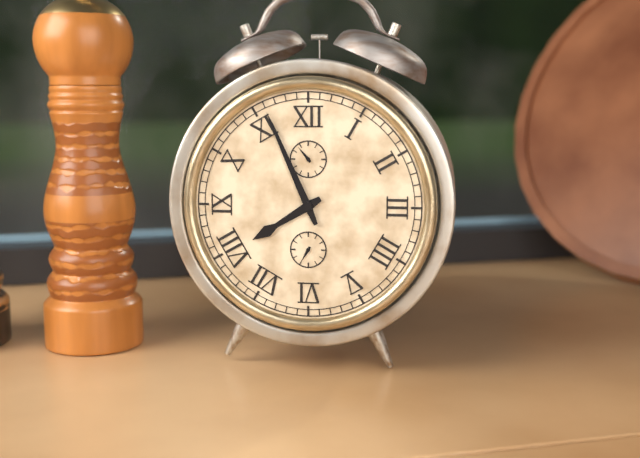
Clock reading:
7 h 56 min
